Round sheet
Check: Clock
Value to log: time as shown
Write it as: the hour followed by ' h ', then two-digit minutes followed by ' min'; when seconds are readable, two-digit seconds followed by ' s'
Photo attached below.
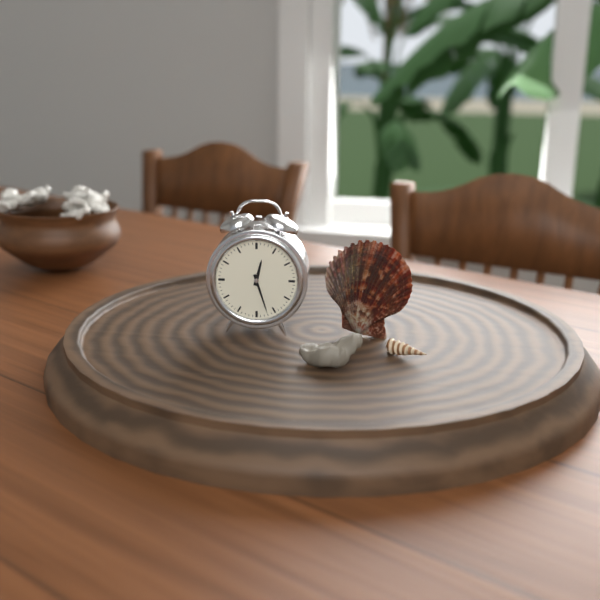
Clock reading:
12 h 27 min
